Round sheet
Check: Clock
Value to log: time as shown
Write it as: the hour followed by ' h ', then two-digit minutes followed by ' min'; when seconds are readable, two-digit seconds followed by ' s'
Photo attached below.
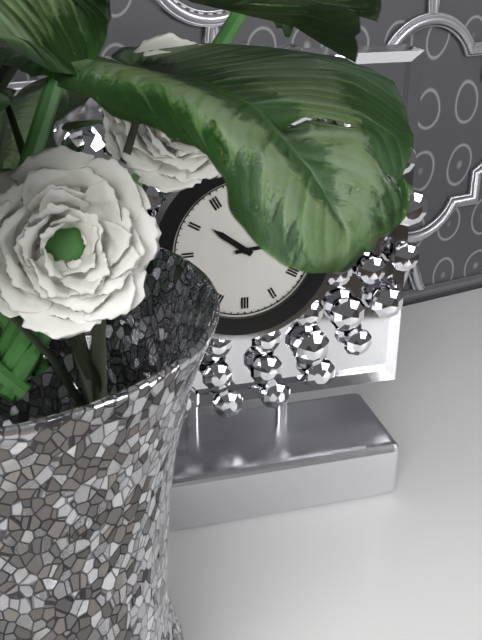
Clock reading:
10 h 14 min
